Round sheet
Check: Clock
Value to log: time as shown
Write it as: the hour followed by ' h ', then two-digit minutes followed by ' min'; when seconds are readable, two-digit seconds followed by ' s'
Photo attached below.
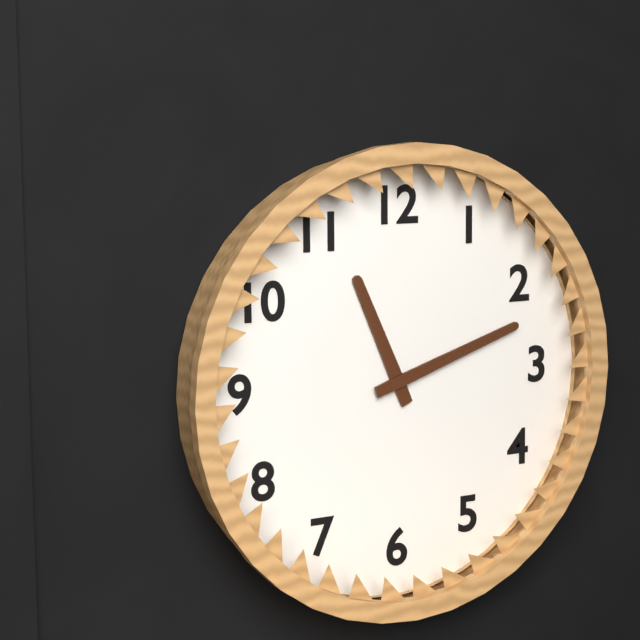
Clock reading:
11 h 12 min
